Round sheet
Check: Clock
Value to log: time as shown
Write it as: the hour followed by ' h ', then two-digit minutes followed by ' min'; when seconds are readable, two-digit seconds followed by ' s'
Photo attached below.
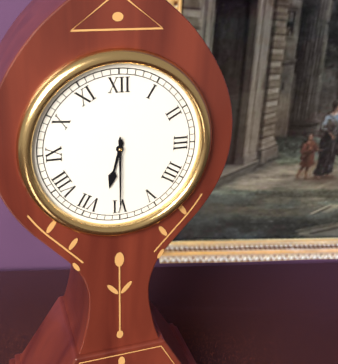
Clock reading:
6 h 30 min
